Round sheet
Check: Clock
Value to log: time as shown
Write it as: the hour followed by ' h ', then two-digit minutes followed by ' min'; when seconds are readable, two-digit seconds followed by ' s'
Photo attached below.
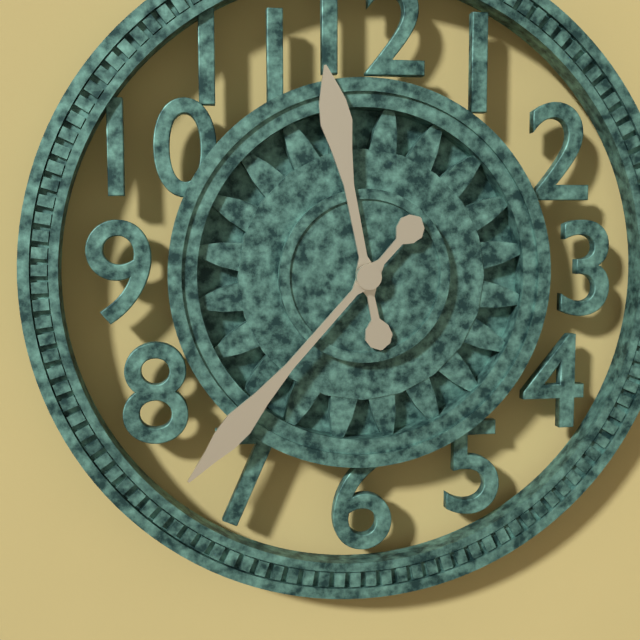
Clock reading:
11 h 37 min
